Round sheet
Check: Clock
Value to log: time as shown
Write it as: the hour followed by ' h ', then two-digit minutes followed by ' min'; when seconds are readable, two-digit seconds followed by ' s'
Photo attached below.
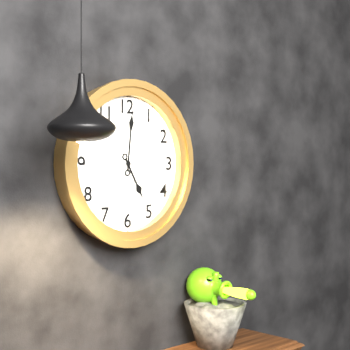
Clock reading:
5 h 01 min
